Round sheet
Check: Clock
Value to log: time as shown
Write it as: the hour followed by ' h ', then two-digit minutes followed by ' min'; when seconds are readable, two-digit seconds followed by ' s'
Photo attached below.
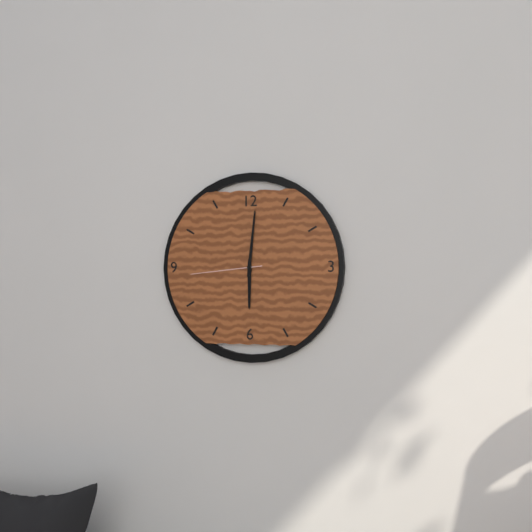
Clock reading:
6 h 01 min 44 s
